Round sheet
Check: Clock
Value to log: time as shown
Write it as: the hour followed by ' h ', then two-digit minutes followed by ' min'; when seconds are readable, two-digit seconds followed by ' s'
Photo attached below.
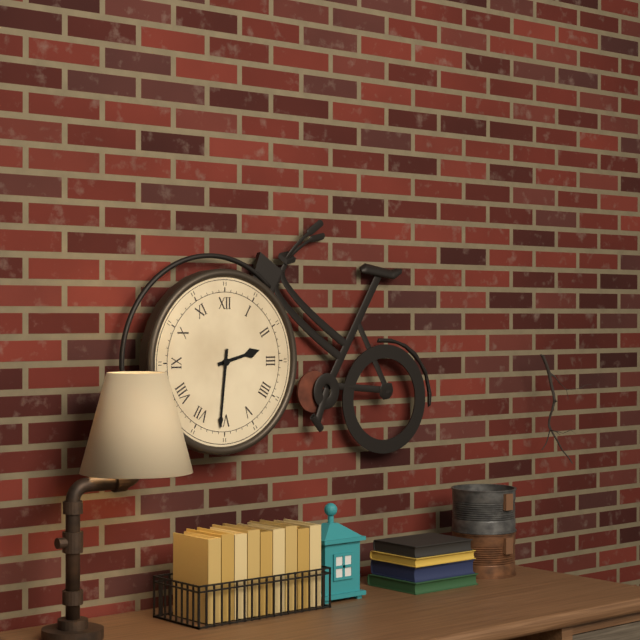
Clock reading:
2 h 31 min
